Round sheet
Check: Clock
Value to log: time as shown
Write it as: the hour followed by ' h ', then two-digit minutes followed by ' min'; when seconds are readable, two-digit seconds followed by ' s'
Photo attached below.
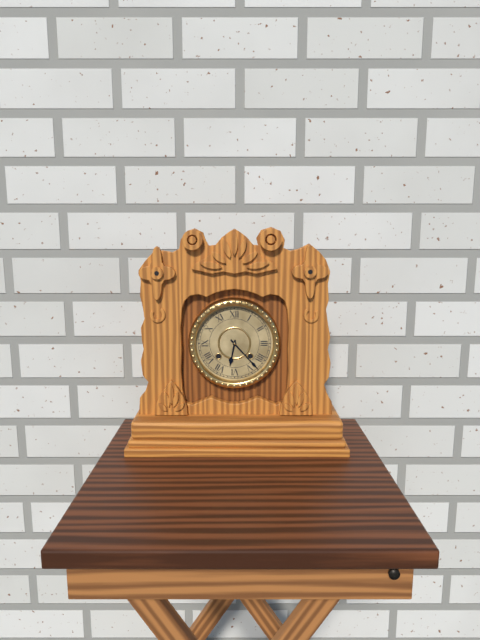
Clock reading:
6 h 23 min
